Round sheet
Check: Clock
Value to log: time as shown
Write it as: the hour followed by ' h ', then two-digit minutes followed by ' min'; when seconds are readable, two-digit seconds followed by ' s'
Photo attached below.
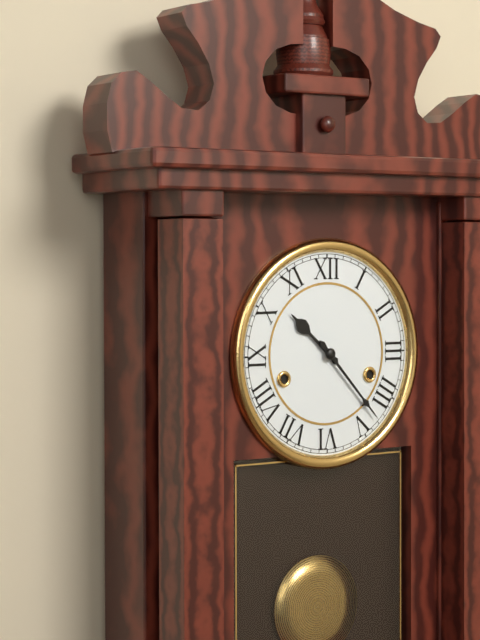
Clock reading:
10 h 23 min
